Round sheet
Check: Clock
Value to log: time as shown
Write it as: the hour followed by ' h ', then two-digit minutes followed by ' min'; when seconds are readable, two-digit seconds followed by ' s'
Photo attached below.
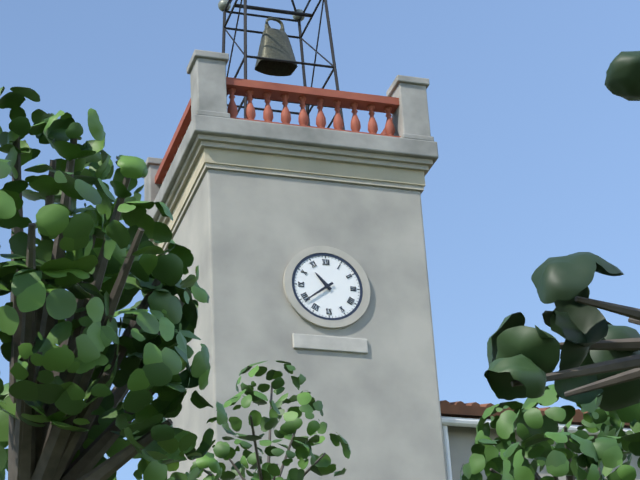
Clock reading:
10 h 39 min
